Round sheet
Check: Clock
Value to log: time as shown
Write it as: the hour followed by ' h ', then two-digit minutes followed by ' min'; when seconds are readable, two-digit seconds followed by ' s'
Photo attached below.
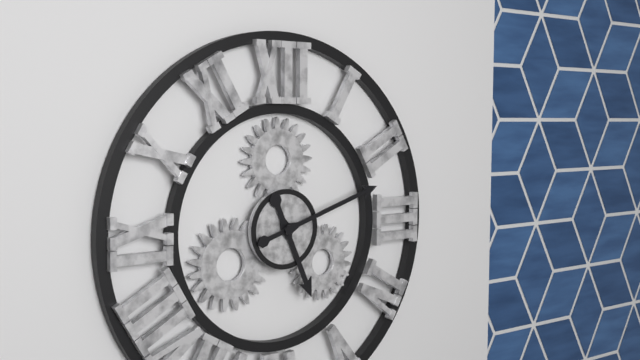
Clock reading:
5 h 12 min
